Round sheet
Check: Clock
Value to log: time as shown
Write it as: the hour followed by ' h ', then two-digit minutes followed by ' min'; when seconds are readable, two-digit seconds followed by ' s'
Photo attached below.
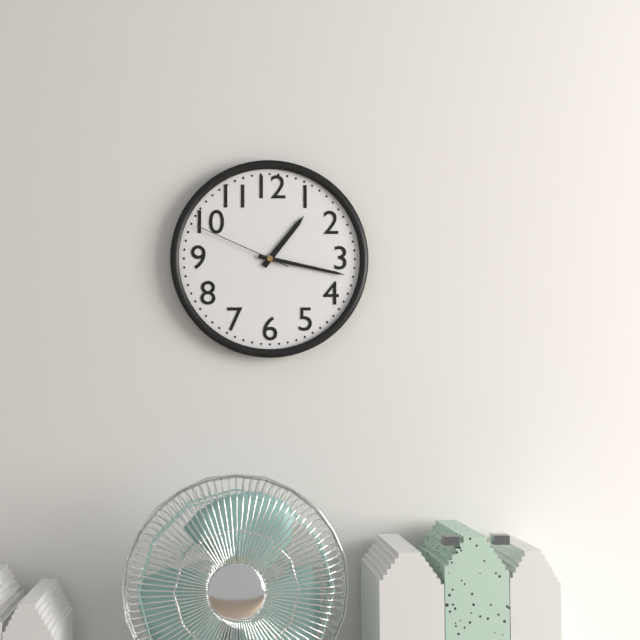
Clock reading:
1 h 17 min 49 s
